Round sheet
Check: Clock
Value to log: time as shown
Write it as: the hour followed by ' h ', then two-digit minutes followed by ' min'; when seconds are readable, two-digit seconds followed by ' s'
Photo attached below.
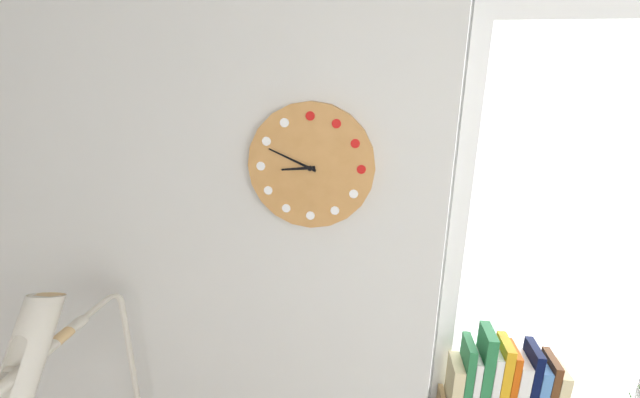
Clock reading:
8 h 49 min
